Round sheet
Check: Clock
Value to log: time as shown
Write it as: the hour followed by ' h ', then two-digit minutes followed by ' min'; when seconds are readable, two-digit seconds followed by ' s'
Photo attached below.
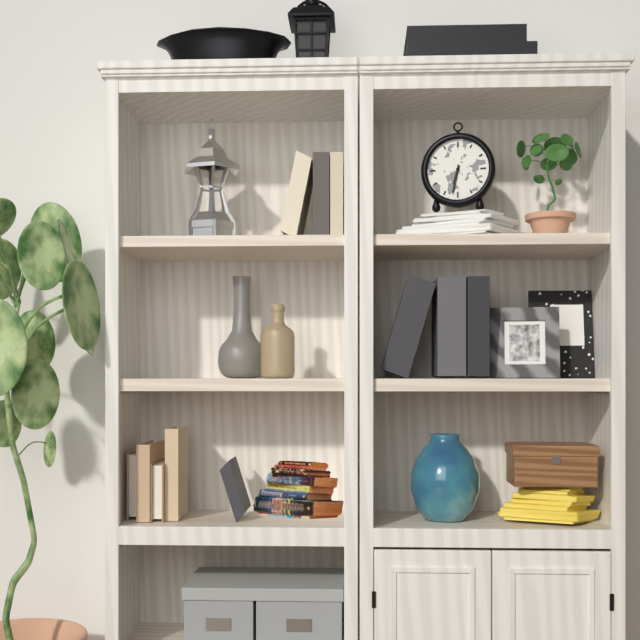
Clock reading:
6 h 32 min
